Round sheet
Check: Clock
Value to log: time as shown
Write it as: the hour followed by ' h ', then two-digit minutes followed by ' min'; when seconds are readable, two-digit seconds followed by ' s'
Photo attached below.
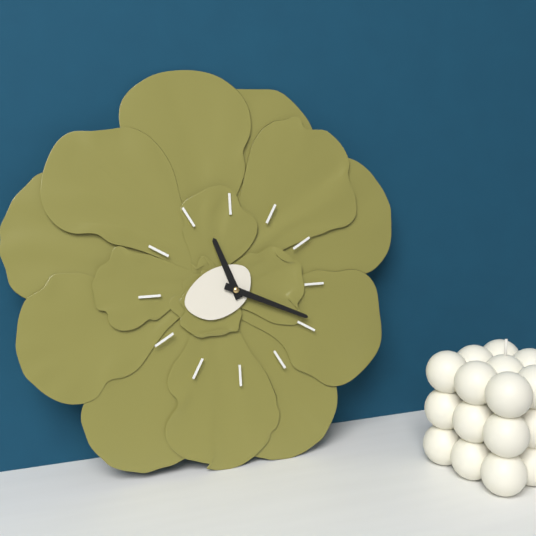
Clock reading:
11 h 19 min
